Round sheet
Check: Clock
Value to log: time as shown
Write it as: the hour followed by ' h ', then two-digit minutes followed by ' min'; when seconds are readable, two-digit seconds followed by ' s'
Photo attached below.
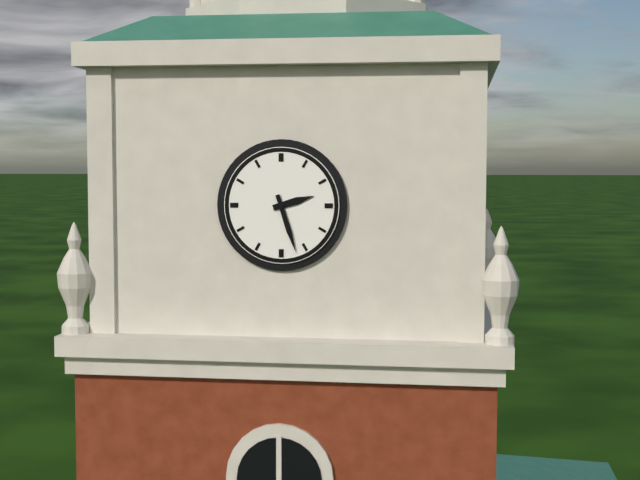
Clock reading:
2 h 27 min
